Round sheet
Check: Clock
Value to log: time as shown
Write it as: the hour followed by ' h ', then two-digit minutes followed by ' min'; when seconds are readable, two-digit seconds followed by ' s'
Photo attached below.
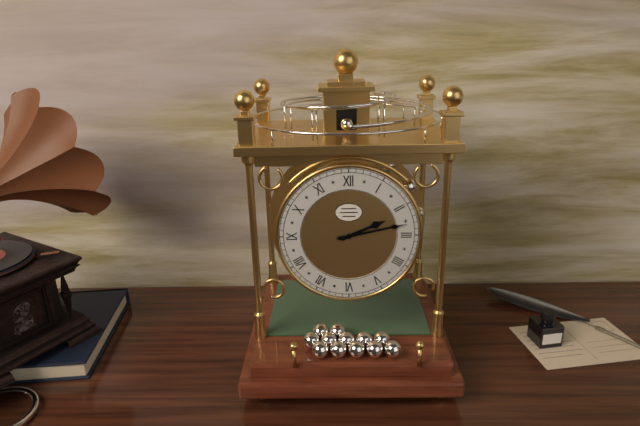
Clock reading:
2 h 13 min
